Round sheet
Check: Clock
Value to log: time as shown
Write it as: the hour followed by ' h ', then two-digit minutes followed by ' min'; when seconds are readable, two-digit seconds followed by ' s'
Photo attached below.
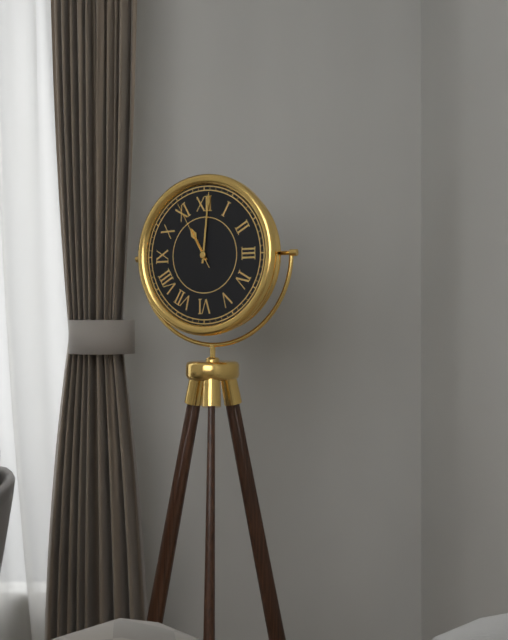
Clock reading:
11 h 01 min 55 s
